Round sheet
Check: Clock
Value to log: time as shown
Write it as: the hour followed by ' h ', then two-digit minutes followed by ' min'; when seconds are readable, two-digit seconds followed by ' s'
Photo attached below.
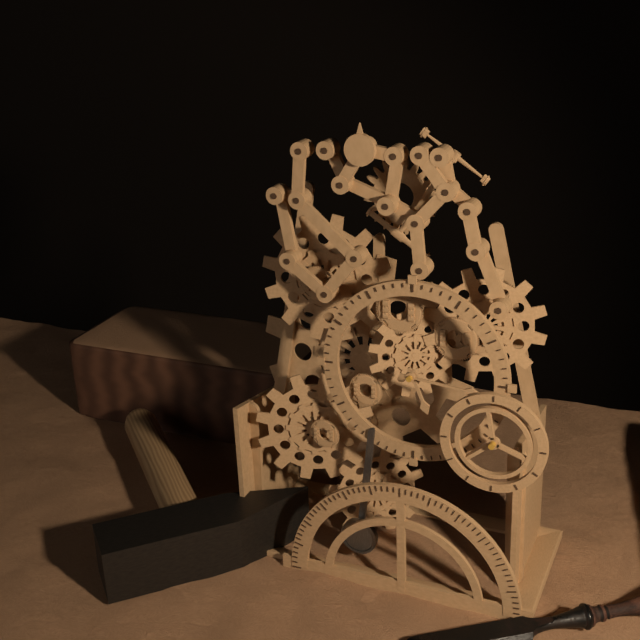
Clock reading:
5 h 16 min
